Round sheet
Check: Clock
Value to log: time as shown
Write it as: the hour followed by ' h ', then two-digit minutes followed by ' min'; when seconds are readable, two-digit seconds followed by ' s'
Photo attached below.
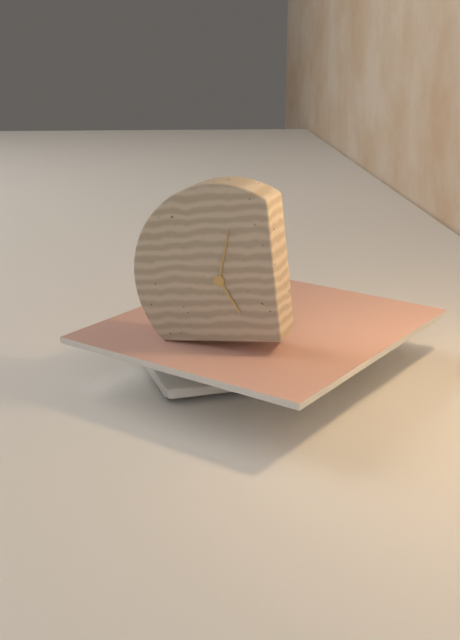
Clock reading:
5 h 03 min
